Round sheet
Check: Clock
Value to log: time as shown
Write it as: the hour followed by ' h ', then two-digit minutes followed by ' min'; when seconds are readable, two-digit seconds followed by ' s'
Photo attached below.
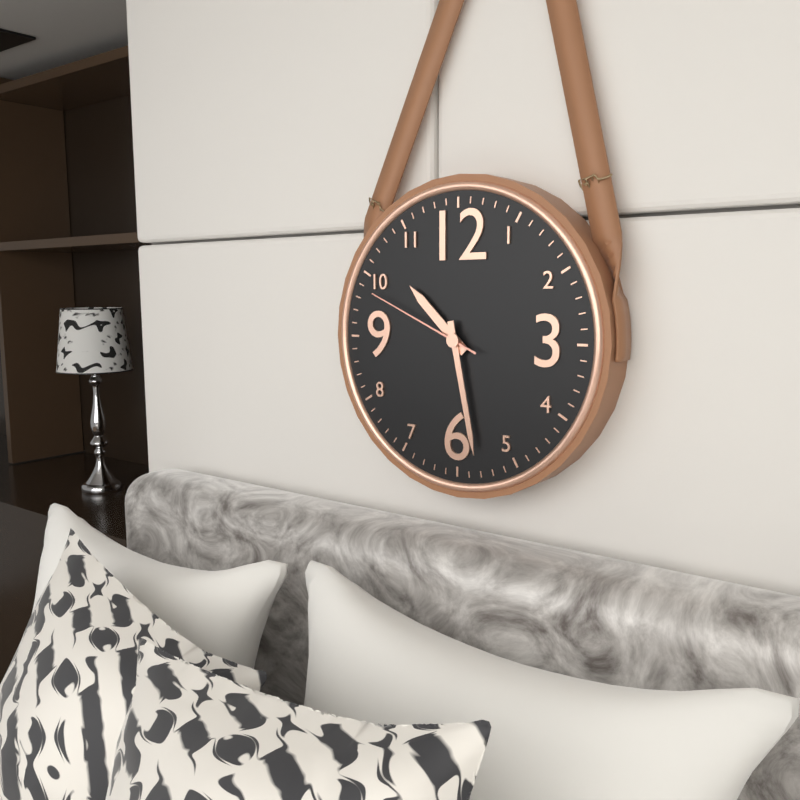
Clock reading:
10 h 28 min 49 s
